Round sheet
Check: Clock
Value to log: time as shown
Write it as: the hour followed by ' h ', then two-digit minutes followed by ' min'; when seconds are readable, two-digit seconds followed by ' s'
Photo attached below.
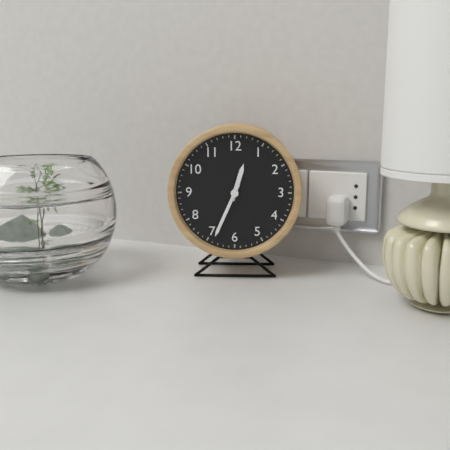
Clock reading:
12 h 34 min
